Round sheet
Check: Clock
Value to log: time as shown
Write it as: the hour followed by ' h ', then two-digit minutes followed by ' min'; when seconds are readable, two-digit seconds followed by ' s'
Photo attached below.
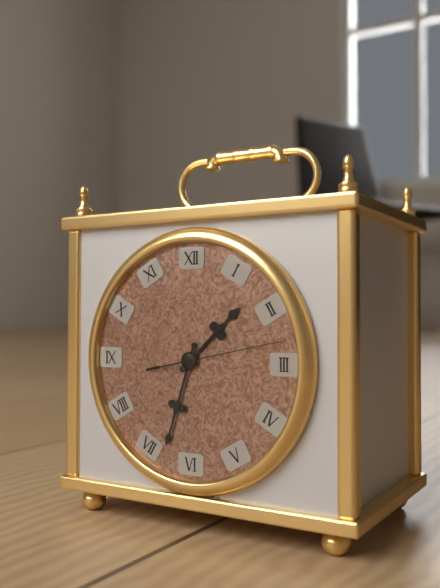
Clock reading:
1 h 33 min 13 s
